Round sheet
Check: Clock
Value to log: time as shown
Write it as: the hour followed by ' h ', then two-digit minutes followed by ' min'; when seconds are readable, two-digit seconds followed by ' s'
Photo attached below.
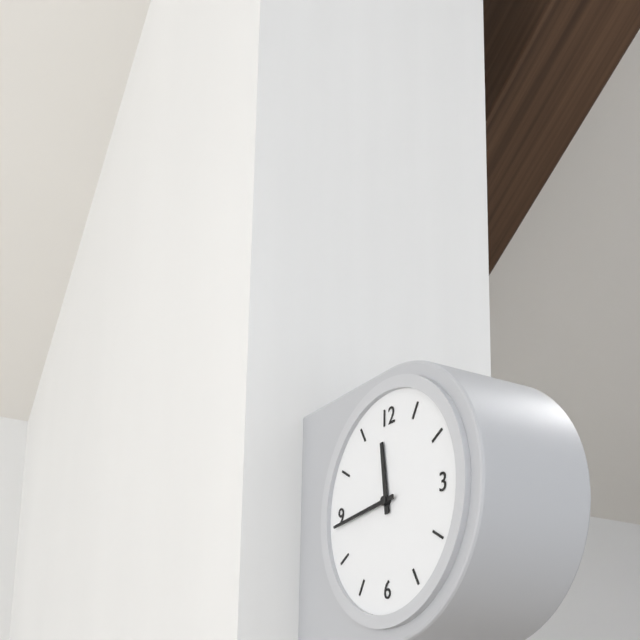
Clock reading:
11 h 44 min
